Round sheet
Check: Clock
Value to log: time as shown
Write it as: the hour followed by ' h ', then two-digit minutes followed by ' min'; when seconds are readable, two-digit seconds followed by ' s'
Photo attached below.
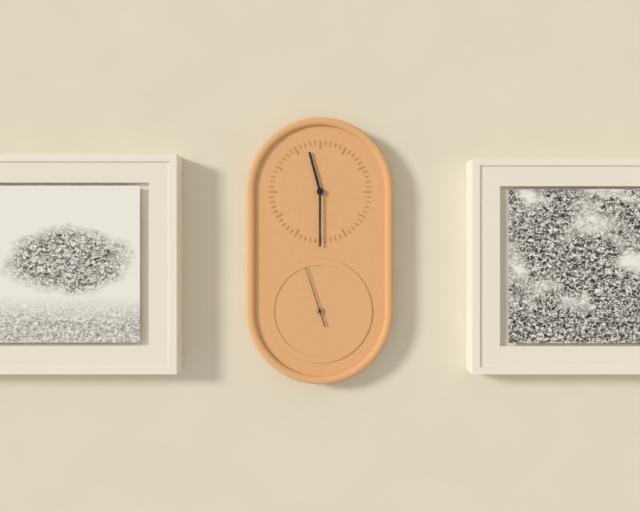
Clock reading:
11 h 30 min 57 s
